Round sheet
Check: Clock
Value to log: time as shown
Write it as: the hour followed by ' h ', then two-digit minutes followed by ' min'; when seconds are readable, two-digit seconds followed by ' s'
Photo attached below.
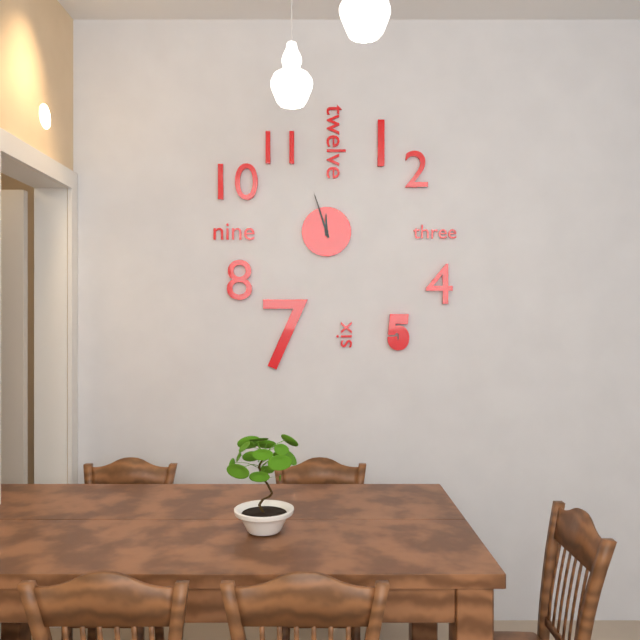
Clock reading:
11 h 57 min
